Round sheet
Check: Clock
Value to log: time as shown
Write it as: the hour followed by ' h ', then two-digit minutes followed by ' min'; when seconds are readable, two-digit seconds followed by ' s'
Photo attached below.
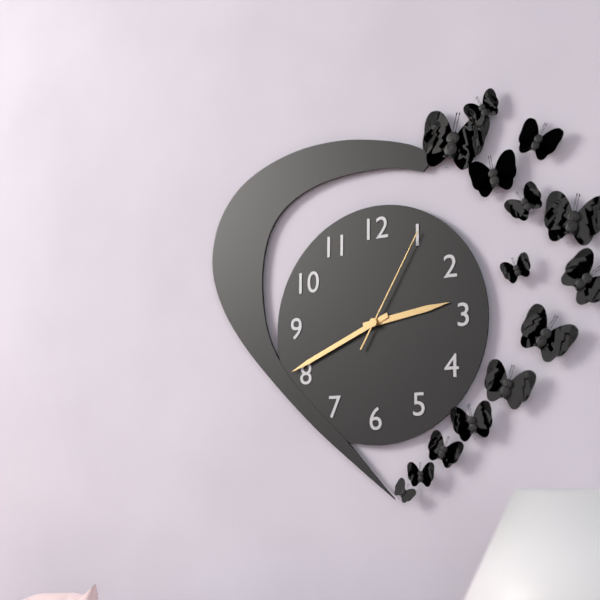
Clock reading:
2 h 41 min 05 s
